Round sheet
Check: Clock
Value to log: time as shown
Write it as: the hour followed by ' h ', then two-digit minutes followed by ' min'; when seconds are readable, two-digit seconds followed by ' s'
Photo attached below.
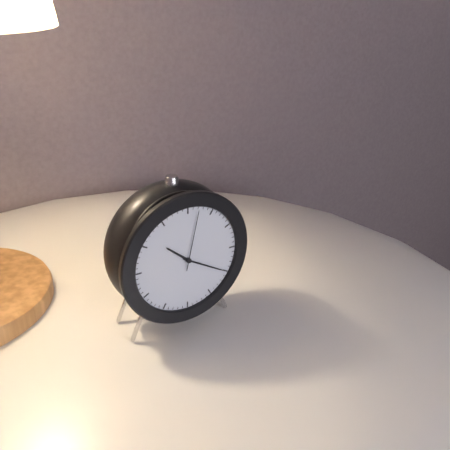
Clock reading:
10 h 20 min 02 s
